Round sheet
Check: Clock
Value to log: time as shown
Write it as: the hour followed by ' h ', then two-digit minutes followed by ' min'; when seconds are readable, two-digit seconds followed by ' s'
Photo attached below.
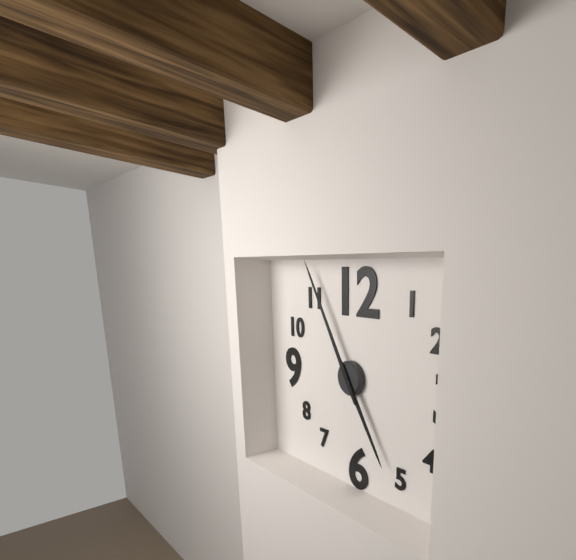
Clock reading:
4 h 55 min
